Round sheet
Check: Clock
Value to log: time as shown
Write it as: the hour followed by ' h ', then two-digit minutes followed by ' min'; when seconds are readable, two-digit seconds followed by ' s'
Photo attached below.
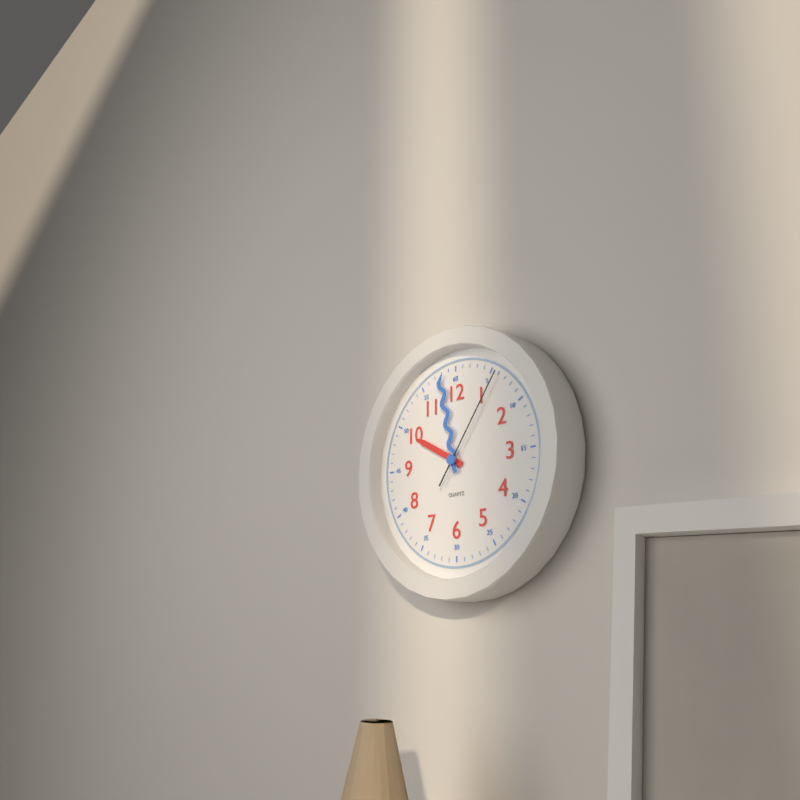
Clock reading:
9 h 58 min 06 s
